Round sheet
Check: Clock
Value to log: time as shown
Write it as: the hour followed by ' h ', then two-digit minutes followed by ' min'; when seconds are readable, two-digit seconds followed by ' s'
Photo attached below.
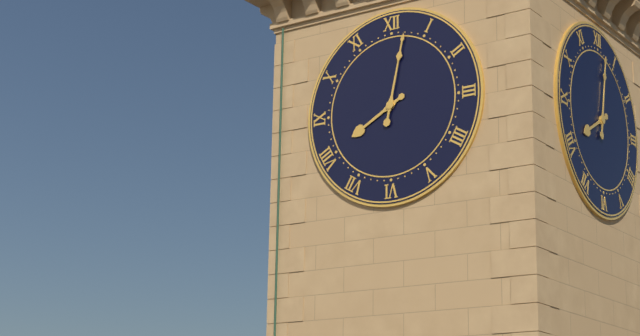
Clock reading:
8 h 02 min
